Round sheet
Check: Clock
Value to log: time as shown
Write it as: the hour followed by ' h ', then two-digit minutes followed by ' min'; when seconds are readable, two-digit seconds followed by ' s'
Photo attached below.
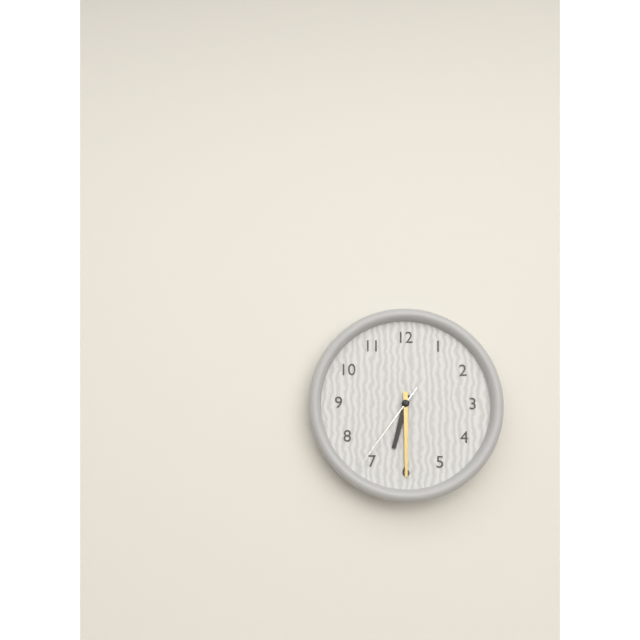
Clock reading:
6 h 30 min 36 s
